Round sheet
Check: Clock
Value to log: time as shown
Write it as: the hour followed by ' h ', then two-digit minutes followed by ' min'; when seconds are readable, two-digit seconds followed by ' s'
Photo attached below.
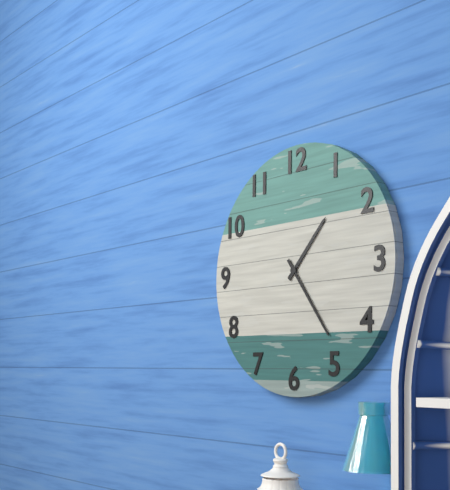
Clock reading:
1 h 24 min
